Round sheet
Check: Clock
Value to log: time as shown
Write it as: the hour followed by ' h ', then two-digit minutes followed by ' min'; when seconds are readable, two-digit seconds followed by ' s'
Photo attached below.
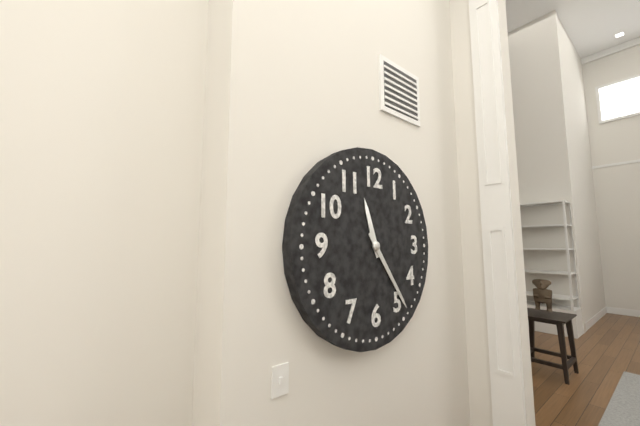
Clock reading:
11 h 24 min
